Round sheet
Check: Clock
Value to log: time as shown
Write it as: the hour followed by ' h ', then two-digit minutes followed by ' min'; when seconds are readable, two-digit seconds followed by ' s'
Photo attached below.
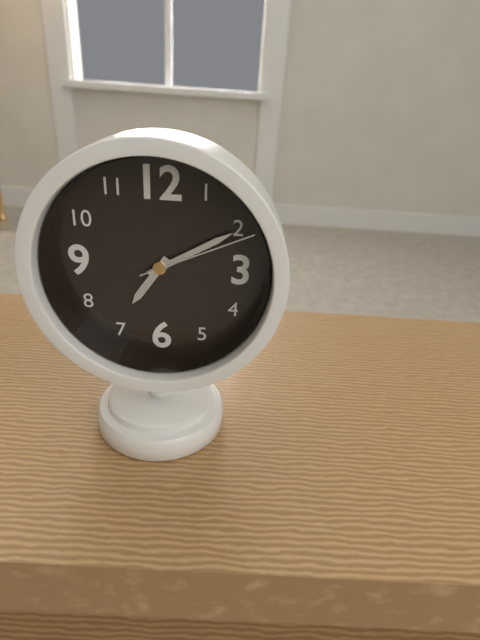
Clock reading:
7 h 10 min 11 s
